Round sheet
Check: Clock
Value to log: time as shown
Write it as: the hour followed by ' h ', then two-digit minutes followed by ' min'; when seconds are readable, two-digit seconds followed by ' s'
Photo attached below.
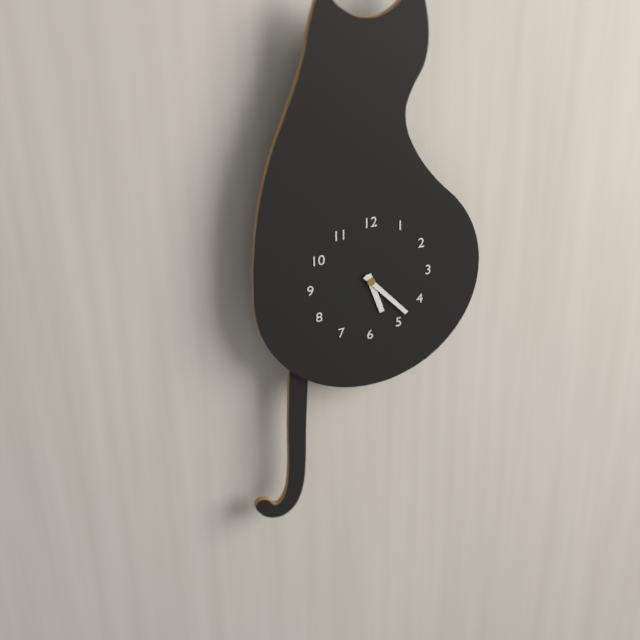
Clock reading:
5 h 23 min
